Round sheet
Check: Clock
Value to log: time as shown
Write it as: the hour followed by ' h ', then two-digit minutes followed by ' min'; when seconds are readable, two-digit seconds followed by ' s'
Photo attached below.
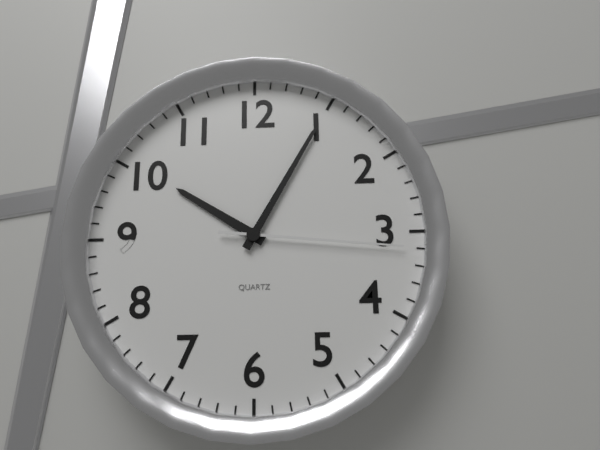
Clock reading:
10 h 05 min 16 s
